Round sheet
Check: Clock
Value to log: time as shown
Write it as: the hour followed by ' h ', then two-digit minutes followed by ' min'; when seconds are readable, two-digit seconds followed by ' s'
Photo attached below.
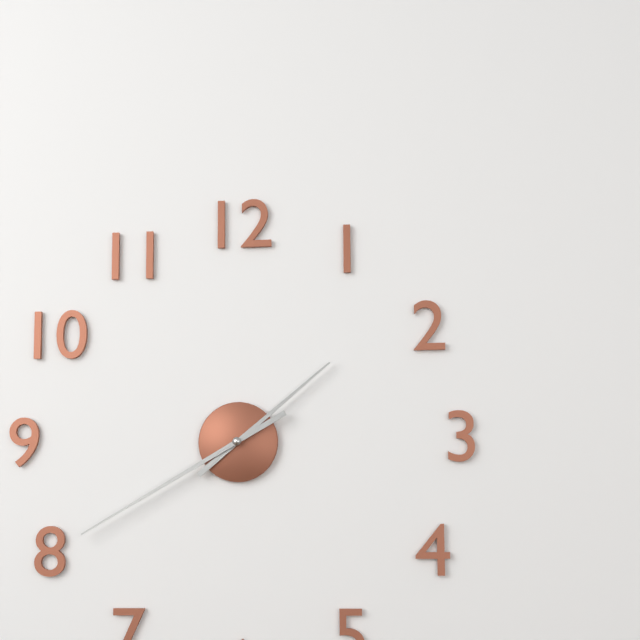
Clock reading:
1 h 40 min
